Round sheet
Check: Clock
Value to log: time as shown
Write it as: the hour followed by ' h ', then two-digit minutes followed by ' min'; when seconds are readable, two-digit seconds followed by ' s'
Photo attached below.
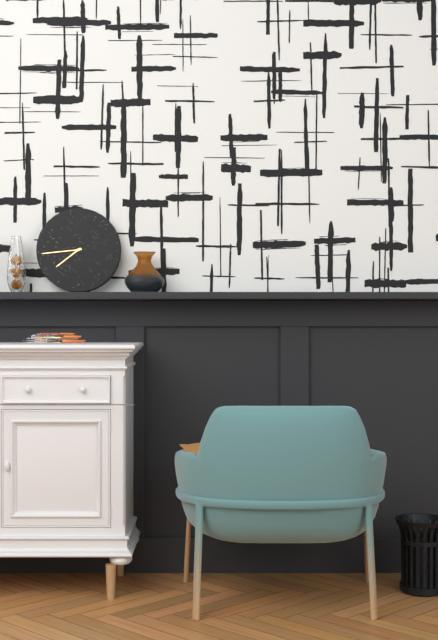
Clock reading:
7 h 44 min
